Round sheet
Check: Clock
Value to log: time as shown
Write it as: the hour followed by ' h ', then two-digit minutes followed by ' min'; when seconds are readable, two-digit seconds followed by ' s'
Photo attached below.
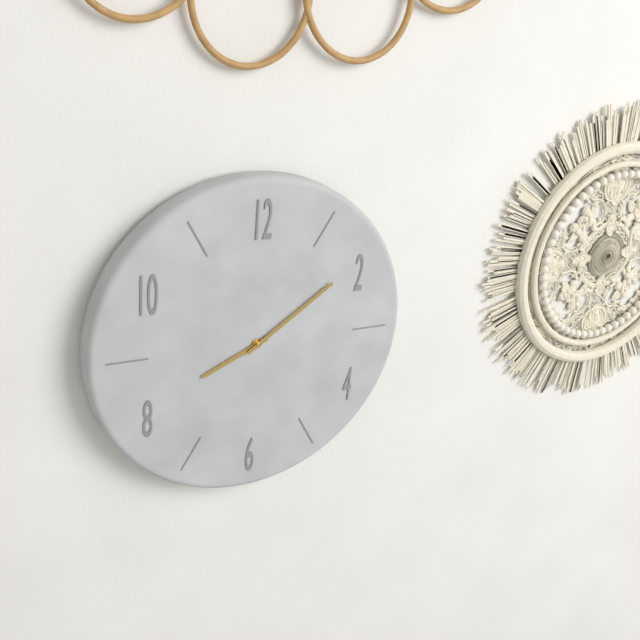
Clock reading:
8 h 09 min
